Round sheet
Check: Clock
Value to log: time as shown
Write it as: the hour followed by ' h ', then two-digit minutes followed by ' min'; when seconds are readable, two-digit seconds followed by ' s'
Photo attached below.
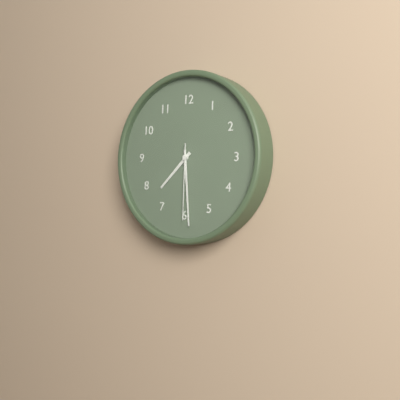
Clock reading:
7 h 29 min 30 s
